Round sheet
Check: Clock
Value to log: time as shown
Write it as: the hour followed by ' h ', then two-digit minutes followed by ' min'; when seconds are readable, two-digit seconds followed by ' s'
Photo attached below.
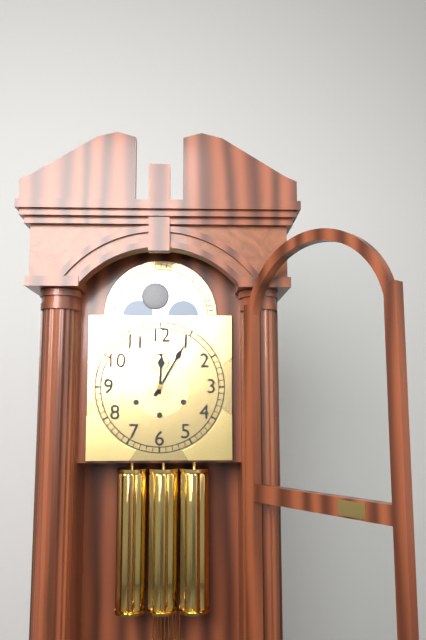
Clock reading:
12 h 05 min
